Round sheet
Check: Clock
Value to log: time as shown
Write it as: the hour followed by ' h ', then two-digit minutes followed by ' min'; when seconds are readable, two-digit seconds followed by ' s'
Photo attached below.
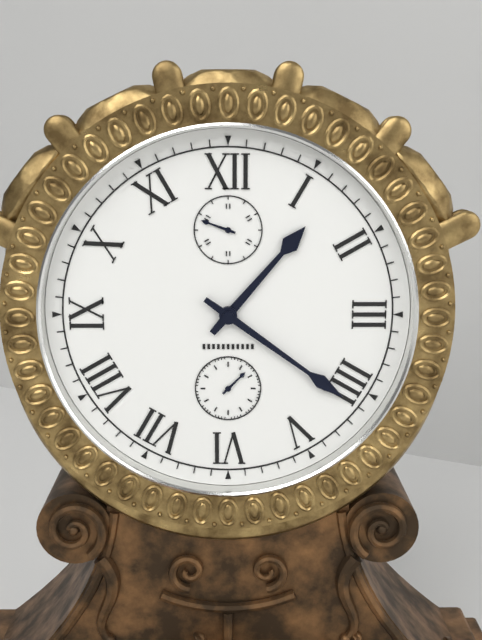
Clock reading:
1 h 21 min
